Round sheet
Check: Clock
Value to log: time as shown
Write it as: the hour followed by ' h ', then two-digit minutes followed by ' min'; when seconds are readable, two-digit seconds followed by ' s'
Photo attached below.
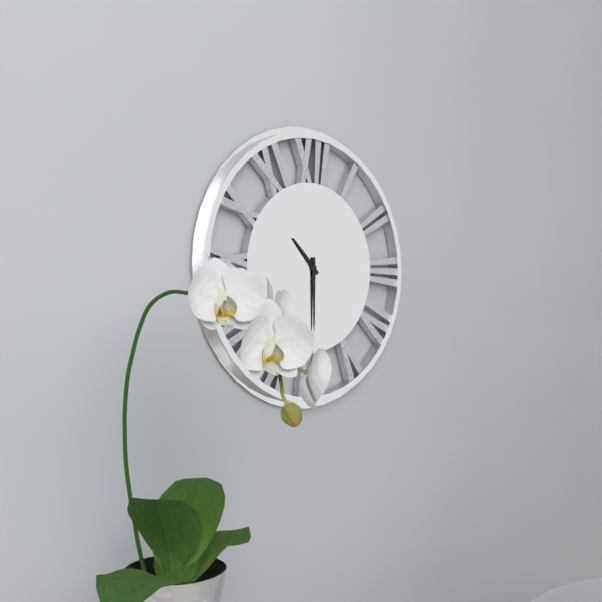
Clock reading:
10 h 30 min
